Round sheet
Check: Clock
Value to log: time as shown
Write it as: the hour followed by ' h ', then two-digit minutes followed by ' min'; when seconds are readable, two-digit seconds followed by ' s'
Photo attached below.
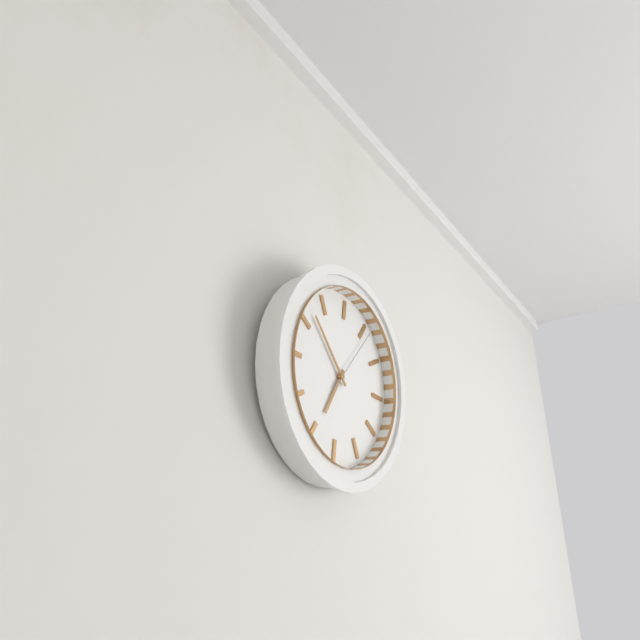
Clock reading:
6 h 52 min 06 s
